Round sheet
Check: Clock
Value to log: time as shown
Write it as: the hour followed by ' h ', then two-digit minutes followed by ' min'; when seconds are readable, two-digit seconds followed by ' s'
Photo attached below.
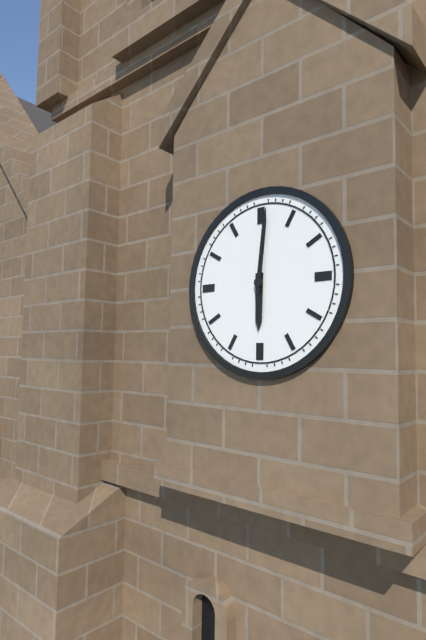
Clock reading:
6 h 01 min
